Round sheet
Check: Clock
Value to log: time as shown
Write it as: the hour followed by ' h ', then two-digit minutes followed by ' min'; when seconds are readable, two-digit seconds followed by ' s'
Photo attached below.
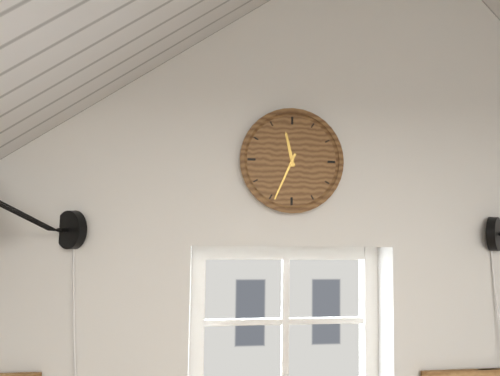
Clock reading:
11 h 34 min
